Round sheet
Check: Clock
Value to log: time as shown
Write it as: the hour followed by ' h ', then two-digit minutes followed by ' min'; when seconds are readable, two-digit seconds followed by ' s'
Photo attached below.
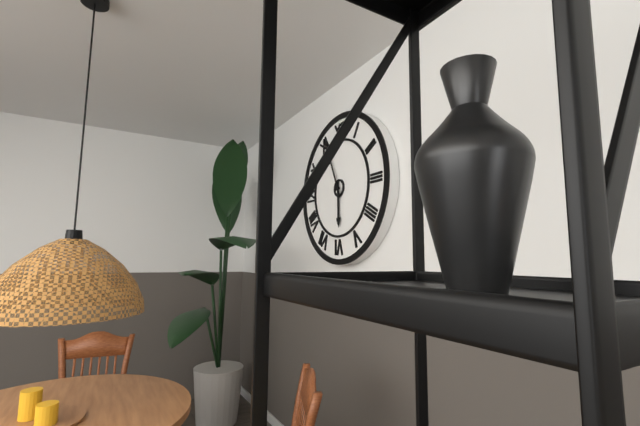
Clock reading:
5 h 56 min
